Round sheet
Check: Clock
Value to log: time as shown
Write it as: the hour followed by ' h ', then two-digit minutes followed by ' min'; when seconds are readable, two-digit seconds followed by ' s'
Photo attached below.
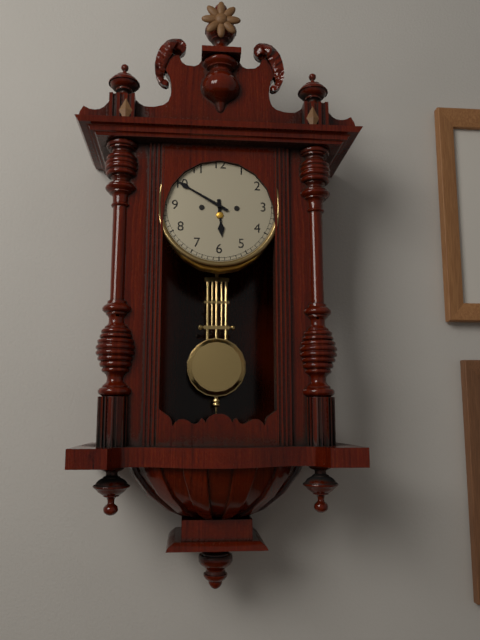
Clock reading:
5 h 50 min
